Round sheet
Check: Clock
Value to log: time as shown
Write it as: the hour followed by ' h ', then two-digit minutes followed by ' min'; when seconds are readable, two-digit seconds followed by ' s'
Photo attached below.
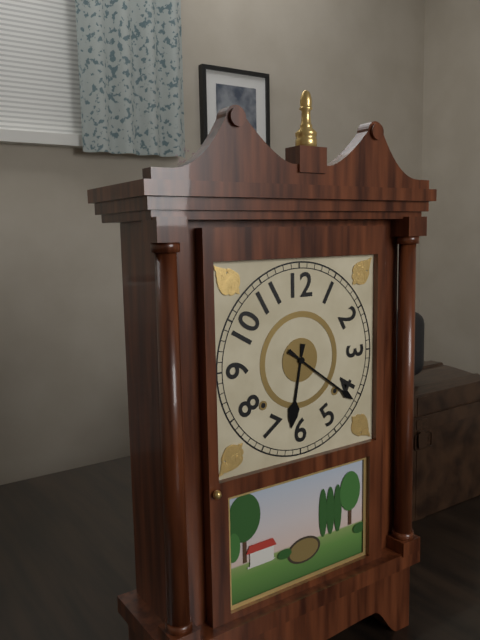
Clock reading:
6 h 21 min
